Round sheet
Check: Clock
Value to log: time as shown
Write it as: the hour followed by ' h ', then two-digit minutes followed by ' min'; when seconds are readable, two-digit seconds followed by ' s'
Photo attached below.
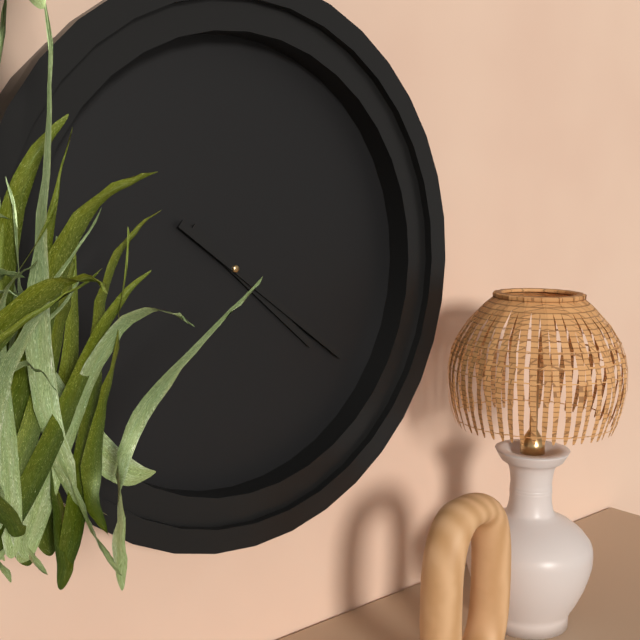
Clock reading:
4 h 21 min
